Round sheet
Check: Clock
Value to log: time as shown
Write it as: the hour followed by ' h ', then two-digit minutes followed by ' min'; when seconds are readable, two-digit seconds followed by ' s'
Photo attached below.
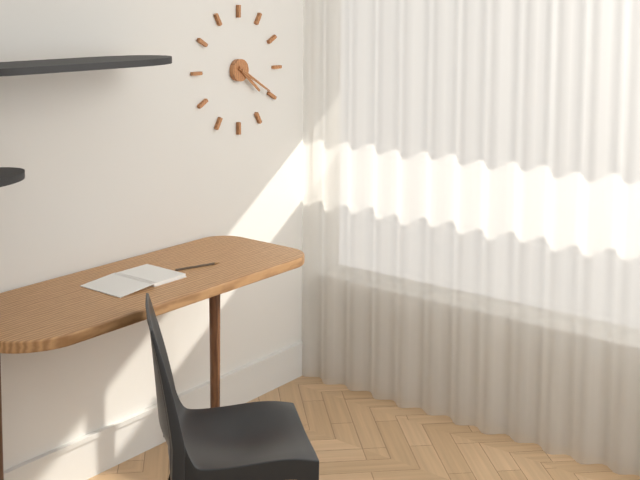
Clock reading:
4 h 20 min
